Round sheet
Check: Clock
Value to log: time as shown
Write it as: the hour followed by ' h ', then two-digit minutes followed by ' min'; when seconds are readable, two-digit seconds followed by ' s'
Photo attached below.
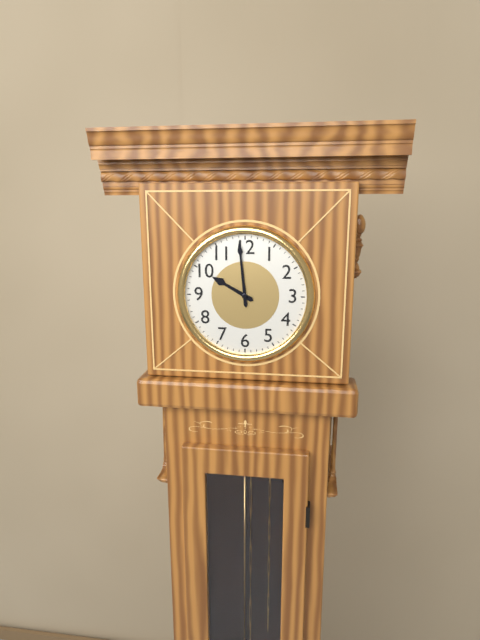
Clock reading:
9 h 59 min
